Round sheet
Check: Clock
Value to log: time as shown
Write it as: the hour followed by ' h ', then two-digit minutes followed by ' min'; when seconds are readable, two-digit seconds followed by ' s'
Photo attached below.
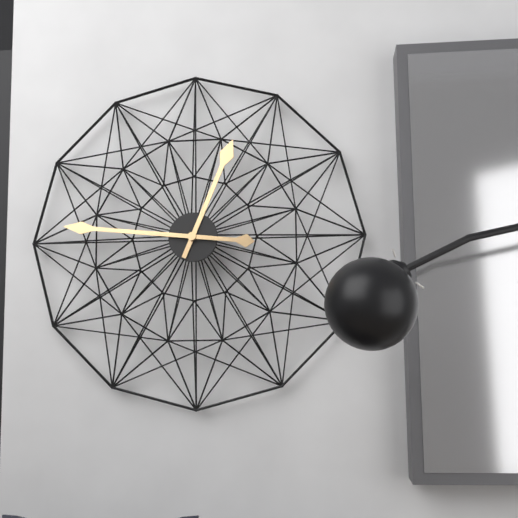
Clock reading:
12 h 46 min
